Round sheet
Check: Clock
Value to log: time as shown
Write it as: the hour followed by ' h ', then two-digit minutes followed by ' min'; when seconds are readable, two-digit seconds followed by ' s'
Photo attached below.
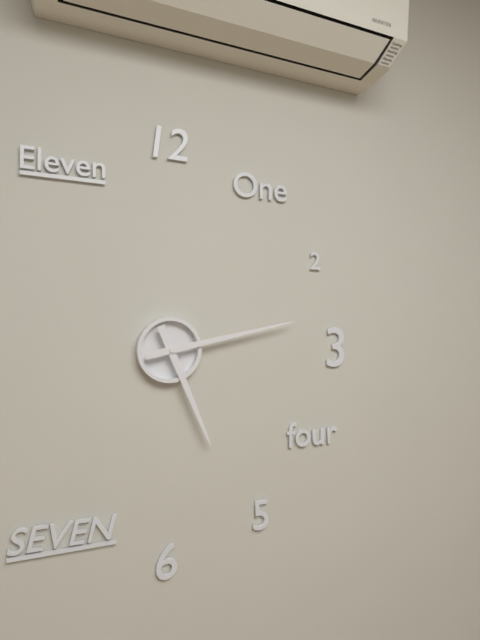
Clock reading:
5 h 13 min
